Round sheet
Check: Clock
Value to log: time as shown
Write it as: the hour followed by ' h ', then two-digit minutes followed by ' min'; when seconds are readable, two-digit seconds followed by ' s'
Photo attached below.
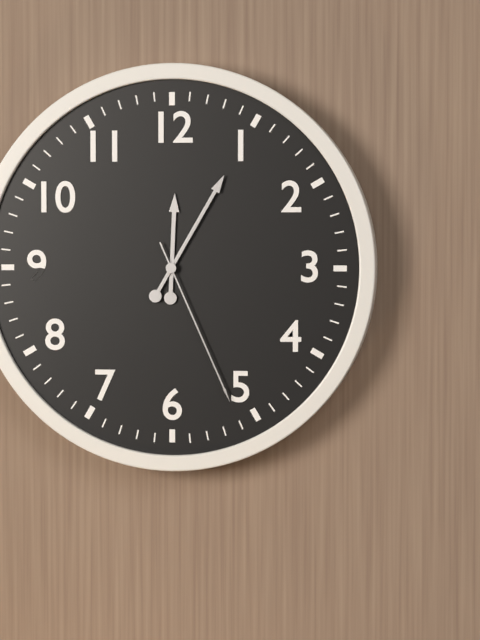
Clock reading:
12 h 05 min 26 s
